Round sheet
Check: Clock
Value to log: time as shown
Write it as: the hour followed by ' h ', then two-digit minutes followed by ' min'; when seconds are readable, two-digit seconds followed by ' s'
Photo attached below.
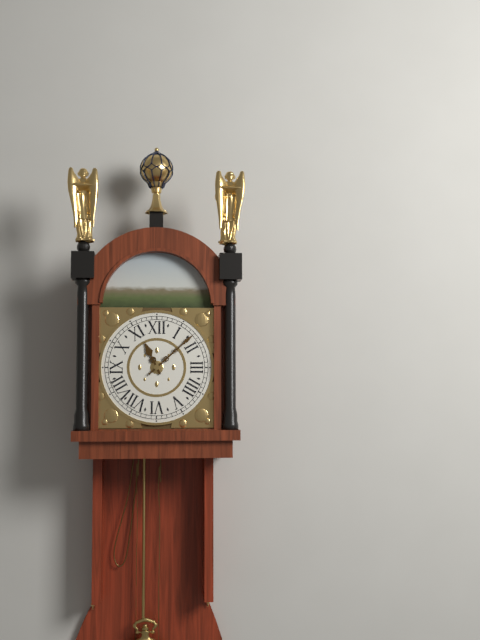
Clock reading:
11 h 08 min
